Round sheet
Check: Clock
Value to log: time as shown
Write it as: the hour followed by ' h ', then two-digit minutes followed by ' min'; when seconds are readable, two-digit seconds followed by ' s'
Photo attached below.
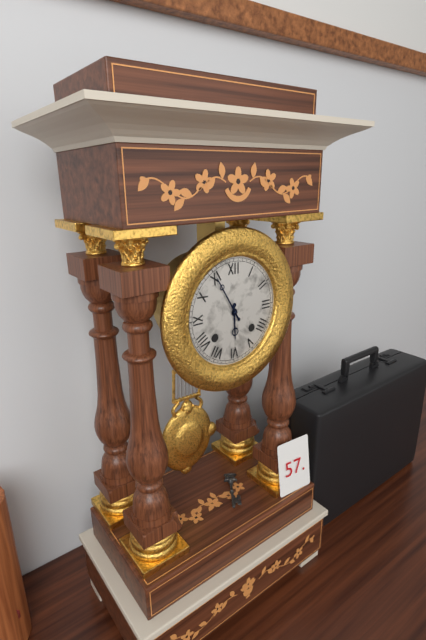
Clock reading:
5 h 55 min
